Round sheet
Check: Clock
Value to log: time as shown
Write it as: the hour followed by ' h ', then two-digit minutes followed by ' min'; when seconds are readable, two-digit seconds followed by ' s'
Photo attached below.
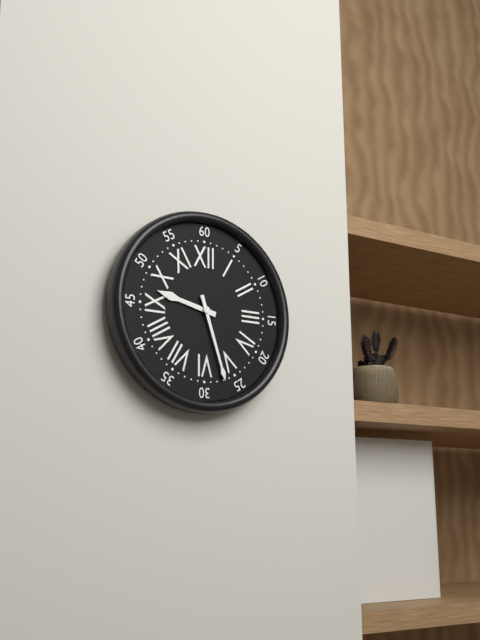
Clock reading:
9 h 27 min
